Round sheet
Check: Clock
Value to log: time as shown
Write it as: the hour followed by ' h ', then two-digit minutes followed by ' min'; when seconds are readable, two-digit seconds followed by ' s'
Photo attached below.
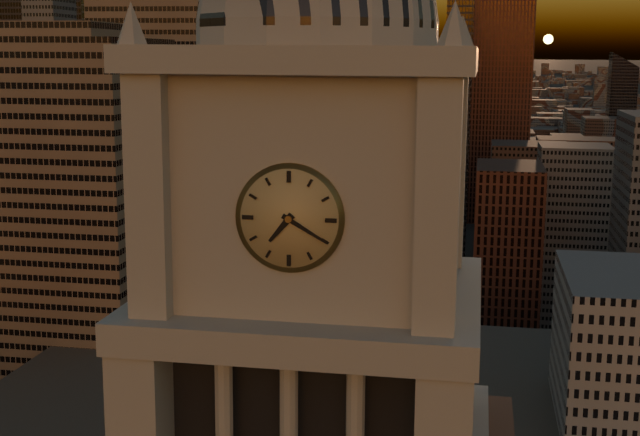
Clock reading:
7 h 20 min
